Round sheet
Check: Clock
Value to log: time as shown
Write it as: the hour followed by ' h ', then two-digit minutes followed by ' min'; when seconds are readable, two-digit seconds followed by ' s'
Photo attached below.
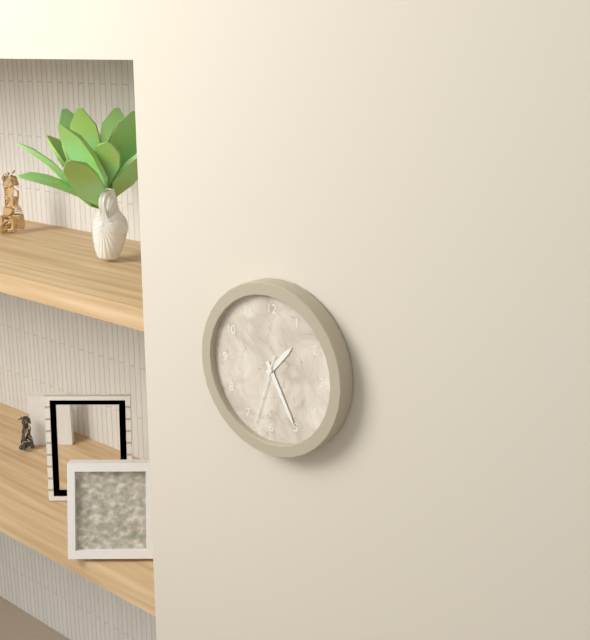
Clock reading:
1 h 25 min 33 s
